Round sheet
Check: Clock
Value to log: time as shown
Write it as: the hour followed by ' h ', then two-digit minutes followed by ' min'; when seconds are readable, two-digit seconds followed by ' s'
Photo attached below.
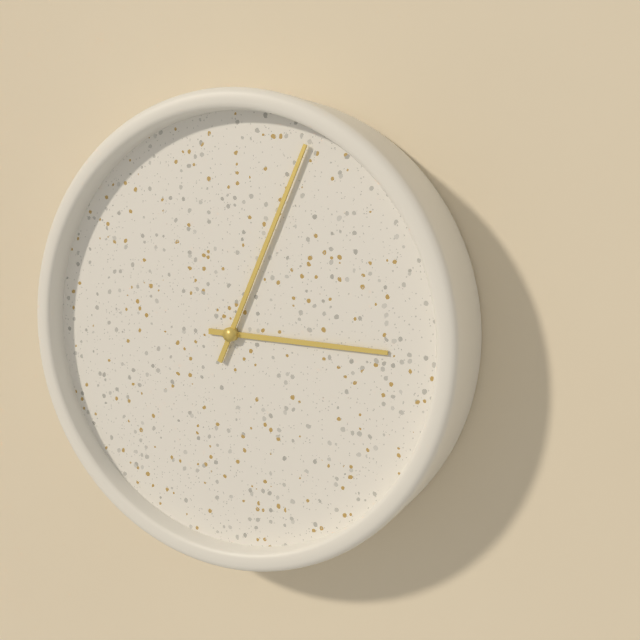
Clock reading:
3 h 04 min
